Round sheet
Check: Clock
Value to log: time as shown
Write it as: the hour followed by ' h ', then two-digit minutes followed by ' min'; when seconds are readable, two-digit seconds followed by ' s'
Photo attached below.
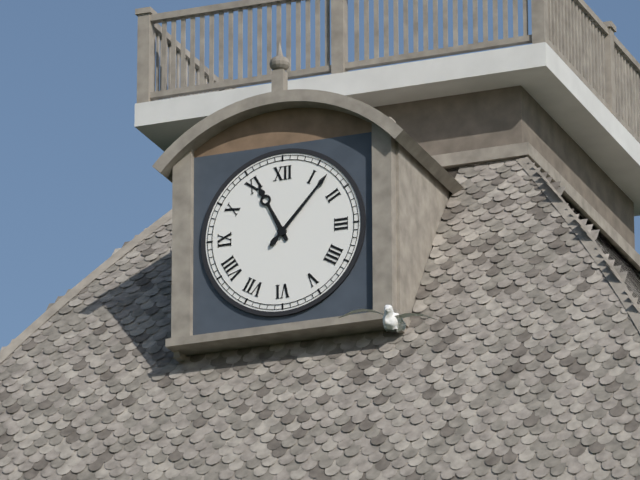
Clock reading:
11 h 07 min
